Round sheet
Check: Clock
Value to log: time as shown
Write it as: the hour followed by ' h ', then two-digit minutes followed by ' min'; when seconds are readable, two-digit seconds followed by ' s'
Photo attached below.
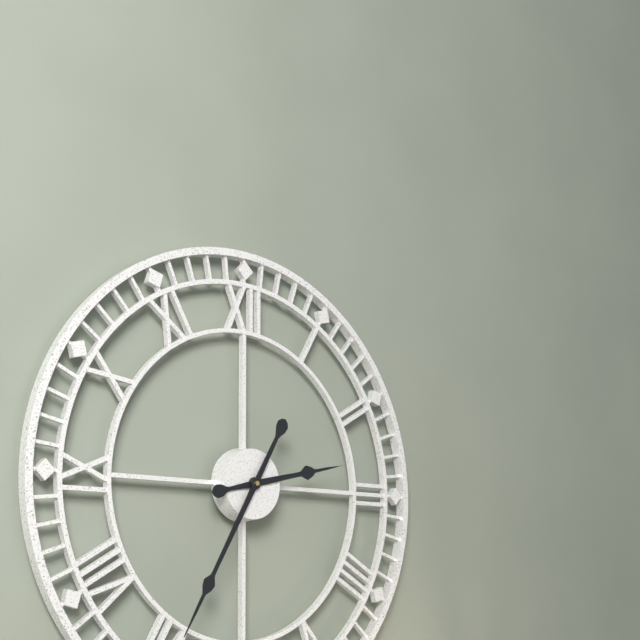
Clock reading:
2 h 35 min
